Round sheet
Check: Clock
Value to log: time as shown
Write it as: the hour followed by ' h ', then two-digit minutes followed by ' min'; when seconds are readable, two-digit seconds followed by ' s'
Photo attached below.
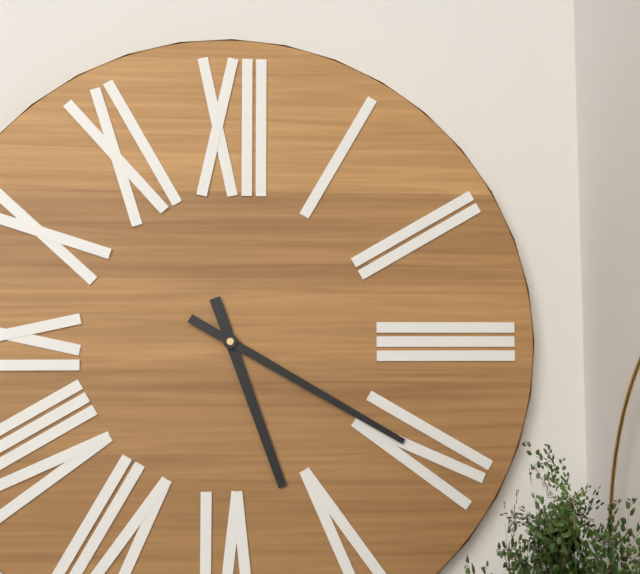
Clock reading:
5 h 20 min
